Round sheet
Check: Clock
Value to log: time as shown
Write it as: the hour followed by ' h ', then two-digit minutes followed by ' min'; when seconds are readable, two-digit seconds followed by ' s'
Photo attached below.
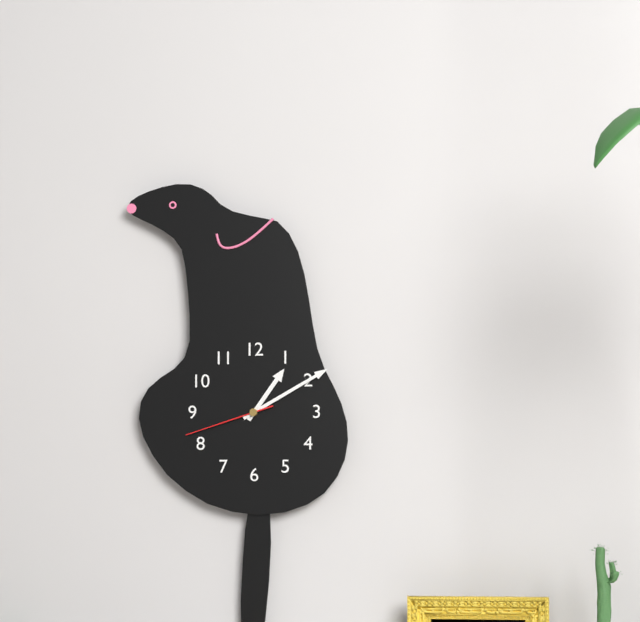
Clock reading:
1 h 10 min 42 s
